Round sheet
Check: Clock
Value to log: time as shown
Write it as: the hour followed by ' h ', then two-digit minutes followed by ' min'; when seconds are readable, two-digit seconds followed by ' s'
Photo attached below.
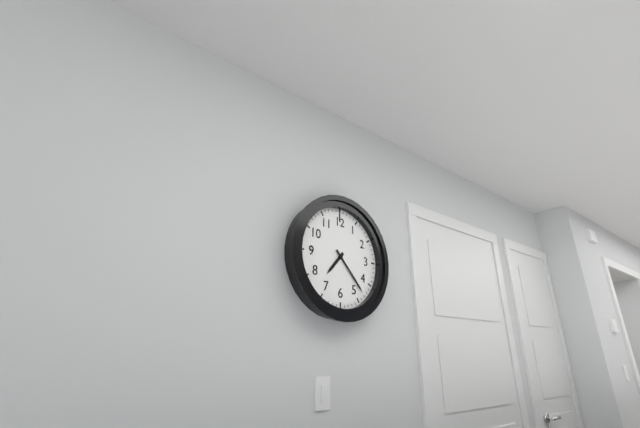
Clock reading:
7 h 23 min
